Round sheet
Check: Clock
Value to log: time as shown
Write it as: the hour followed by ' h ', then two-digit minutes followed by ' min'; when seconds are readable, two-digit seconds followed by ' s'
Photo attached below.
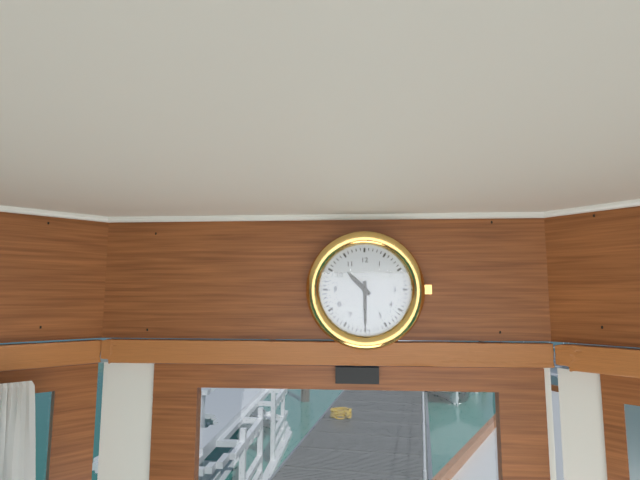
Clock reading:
10 h 30 min
